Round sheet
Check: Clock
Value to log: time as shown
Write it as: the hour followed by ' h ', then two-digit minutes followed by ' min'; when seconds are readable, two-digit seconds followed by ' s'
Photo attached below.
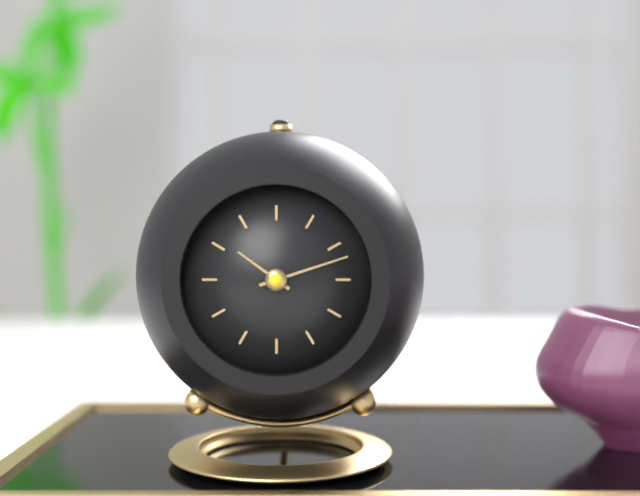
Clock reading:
10 h 12 min
